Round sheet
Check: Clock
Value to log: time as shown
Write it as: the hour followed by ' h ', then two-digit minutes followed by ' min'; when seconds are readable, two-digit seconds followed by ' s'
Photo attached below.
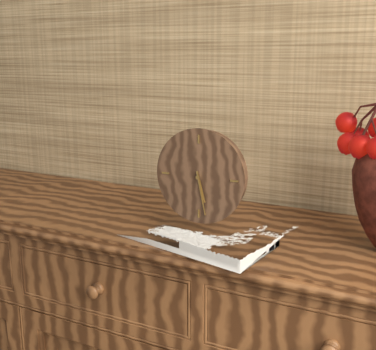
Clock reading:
5 h 28 min
